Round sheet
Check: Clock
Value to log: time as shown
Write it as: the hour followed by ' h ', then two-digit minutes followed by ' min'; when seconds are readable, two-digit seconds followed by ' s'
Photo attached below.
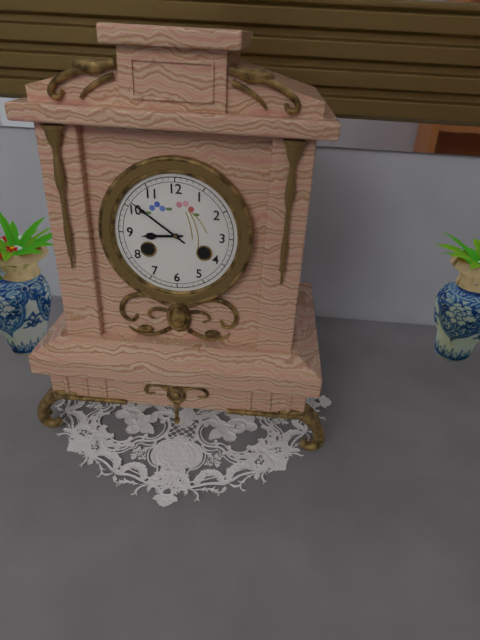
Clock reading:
8 h 51 min
